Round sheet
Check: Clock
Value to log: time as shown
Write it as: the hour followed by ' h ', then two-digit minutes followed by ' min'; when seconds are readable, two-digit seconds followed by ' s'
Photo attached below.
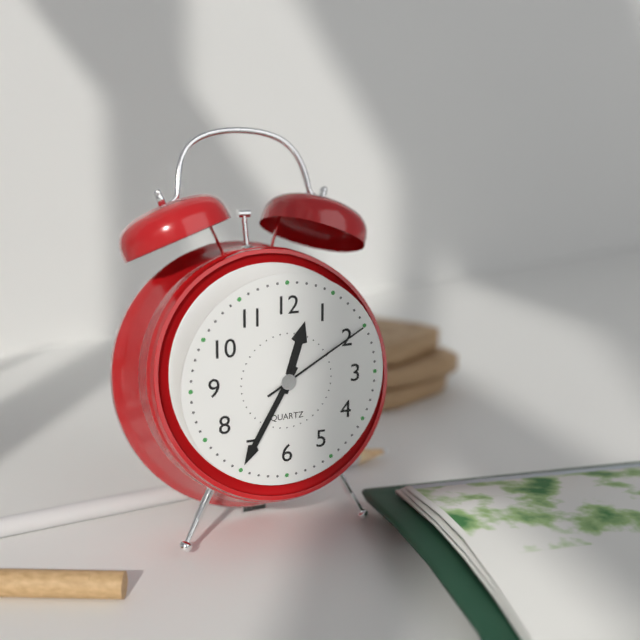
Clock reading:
12 h 35 min 10 s
